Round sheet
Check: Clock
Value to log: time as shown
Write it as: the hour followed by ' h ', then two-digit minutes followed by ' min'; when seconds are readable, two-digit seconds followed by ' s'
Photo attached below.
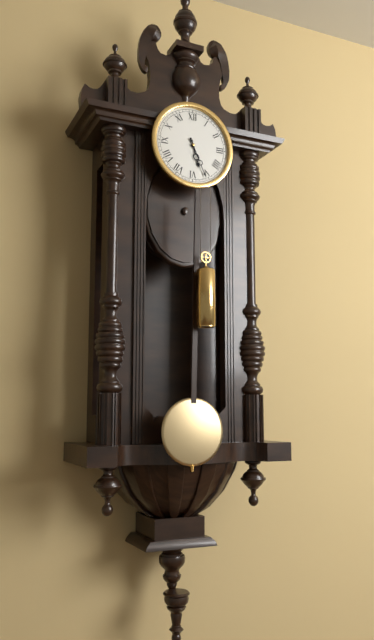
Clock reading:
5 h 26 min
